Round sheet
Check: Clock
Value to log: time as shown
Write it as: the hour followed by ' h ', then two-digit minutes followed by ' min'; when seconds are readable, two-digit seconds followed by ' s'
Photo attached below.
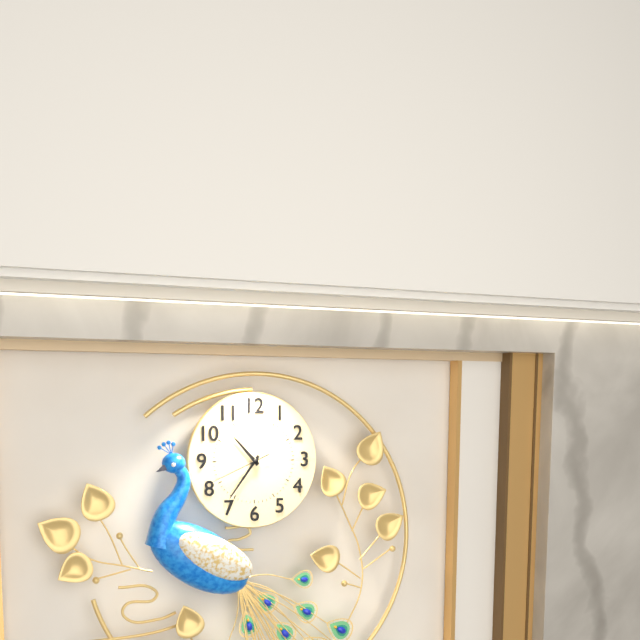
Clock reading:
10 h 36 min 41 s
